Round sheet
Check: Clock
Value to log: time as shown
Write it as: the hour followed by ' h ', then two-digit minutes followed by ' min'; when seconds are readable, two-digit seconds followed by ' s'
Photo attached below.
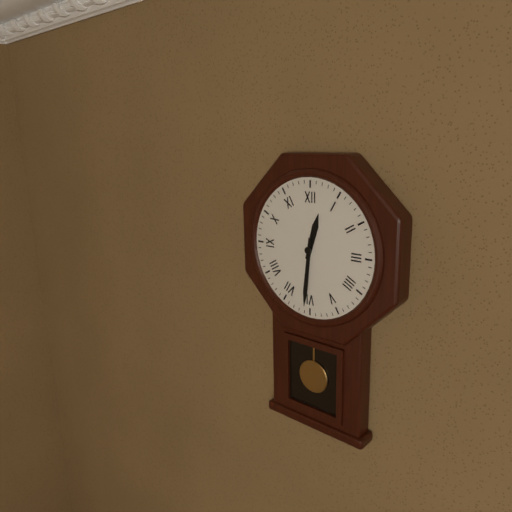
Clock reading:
12 h 31 min
